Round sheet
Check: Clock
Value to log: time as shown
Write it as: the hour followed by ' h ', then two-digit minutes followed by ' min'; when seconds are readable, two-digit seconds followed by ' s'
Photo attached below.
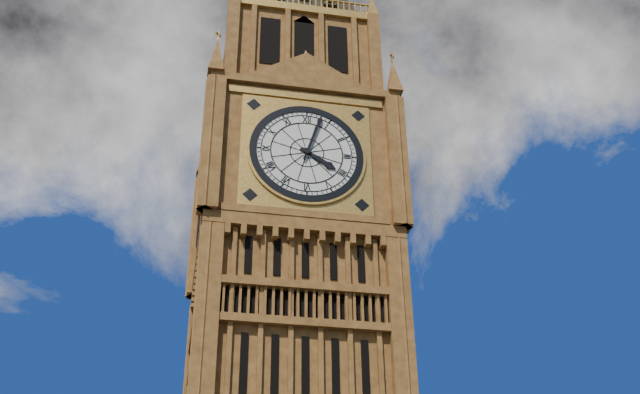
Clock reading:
4 h 03 min
